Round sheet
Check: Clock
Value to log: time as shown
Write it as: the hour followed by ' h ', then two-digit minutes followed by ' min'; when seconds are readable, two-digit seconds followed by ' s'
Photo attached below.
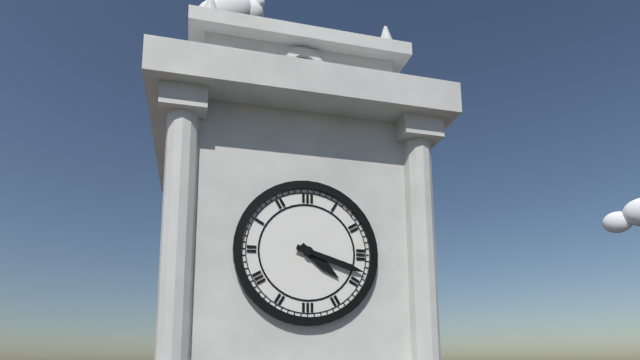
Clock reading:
4 h 18 min
